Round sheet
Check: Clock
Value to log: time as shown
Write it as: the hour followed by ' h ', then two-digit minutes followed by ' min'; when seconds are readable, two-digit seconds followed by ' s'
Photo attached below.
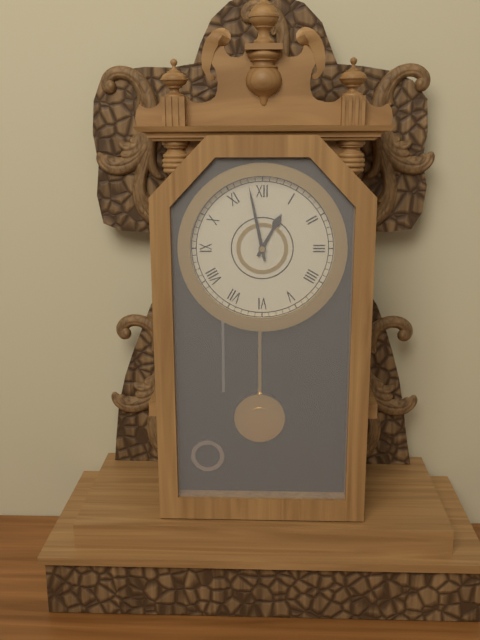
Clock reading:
12 h 58 min
